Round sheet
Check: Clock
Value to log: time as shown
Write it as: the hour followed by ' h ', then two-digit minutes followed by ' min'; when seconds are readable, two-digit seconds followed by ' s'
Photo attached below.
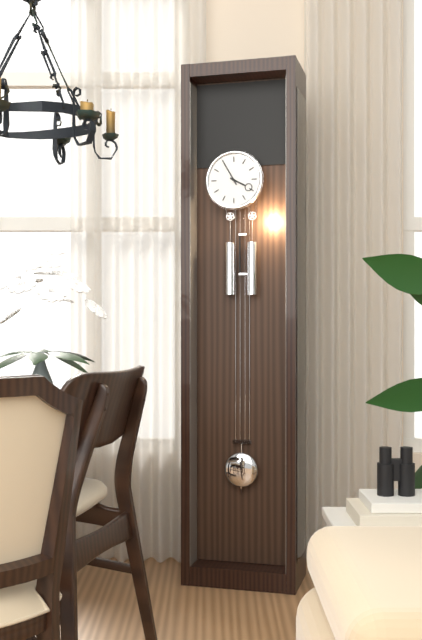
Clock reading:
3 h 55 min
